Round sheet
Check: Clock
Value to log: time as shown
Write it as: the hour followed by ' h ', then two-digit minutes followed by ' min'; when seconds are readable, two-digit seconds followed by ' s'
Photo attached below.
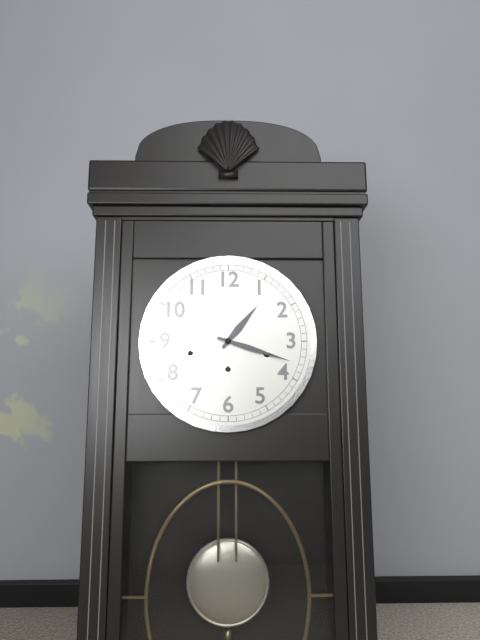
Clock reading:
1 h 18 min
